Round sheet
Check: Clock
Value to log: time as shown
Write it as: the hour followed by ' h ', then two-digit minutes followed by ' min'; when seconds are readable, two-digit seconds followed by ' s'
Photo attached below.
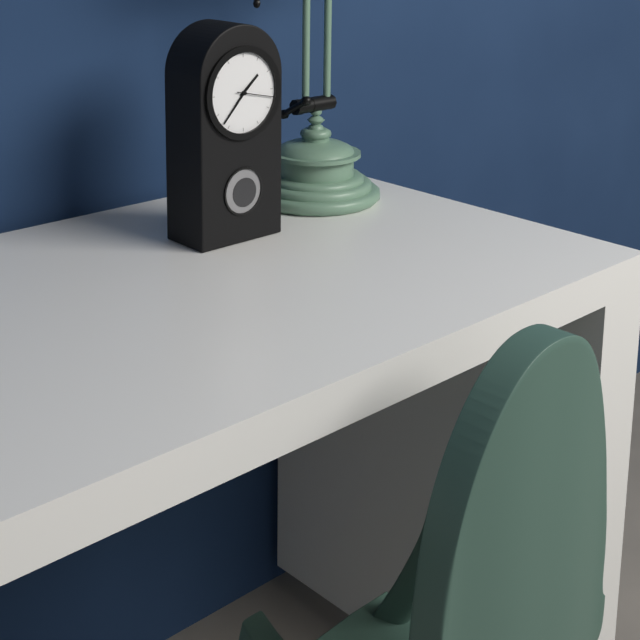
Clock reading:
1 h 37 min
